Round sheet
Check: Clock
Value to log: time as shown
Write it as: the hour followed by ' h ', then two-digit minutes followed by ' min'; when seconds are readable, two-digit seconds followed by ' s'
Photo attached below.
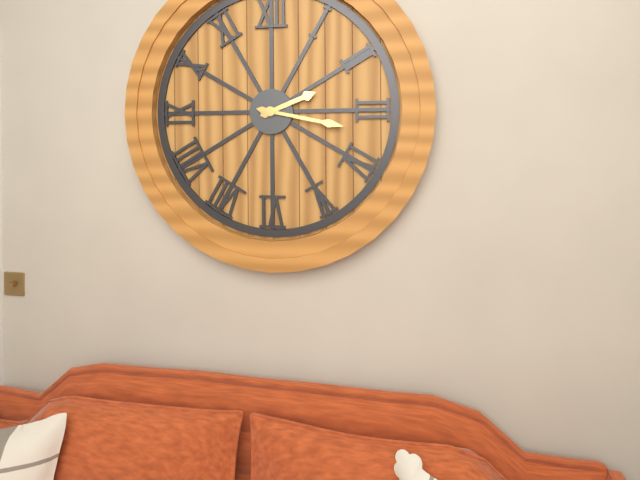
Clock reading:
2 h 17 min
